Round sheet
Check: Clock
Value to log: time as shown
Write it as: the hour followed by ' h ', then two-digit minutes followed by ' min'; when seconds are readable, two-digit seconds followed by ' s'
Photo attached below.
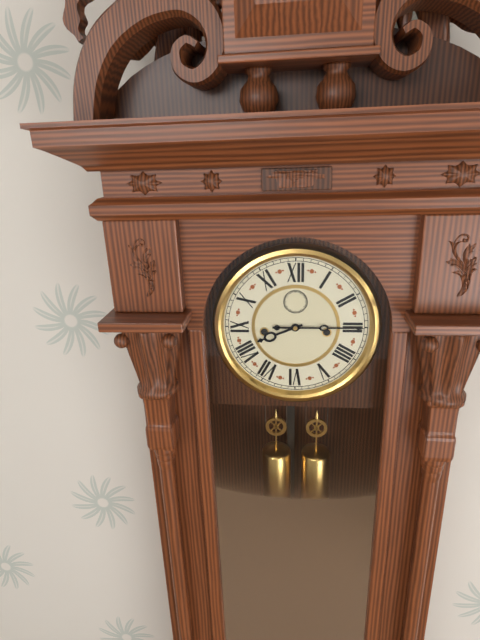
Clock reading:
8 h 15 min
